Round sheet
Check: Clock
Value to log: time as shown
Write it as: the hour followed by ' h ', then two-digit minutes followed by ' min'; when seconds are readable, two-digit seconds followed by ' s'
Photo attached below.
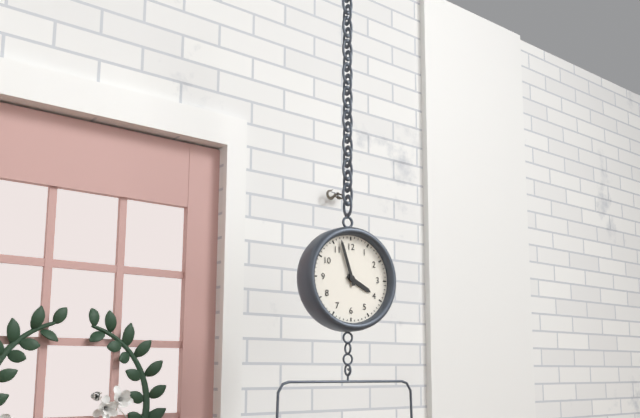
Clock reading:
3 h 57 min
